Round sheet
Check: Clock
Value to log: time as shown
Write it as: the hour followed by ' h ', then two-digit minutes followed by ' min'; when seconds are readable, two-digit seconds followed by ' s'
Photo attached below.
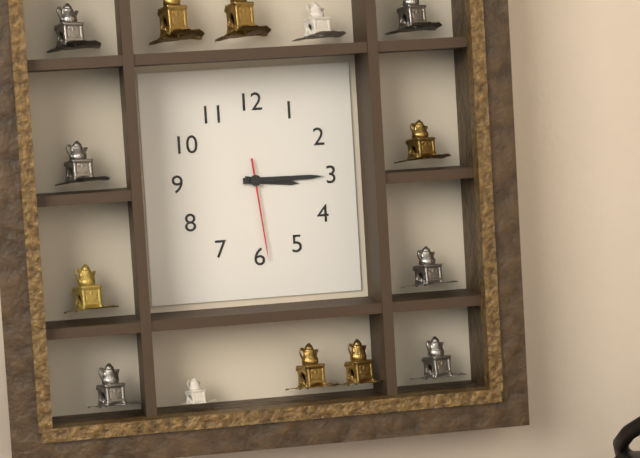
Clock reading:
3 h 15 min 29 s
